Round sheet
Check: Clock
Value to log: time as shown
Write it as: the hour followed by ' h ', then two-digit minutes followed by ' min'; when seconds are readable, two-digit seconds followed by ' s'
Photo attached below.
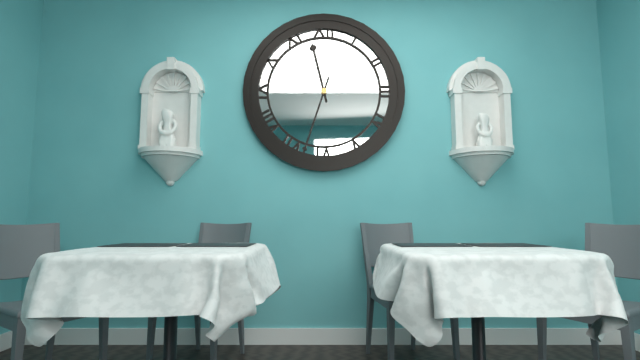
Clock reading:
11 h 33 min
